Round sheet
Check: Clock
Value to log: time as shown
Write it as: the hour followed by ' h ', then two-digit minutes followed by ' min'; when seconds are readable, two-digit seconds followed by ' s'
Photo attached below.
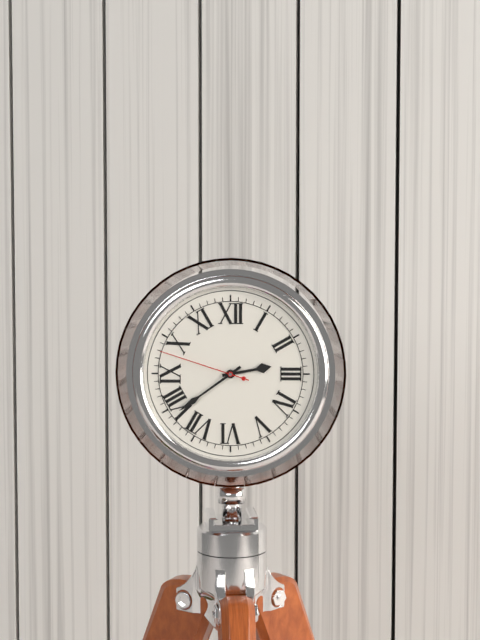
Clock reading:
2 h 39 min 48 s
